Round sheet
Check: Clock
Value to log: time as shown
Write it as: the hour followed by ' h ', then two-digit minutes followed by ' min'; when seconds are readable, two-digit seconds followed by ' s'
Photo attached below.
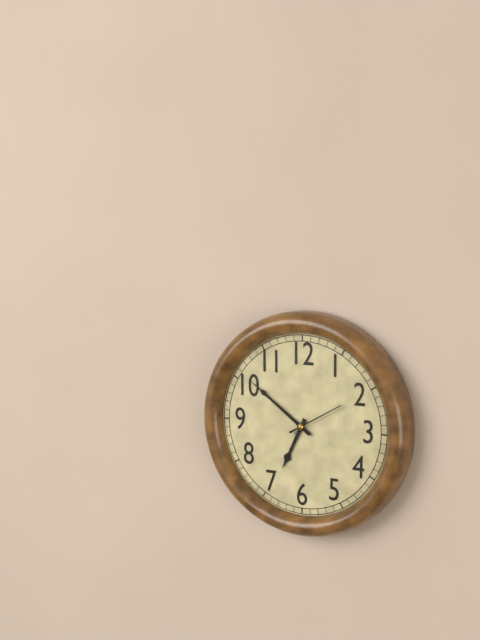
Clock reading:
6 h 51 min 10 s
